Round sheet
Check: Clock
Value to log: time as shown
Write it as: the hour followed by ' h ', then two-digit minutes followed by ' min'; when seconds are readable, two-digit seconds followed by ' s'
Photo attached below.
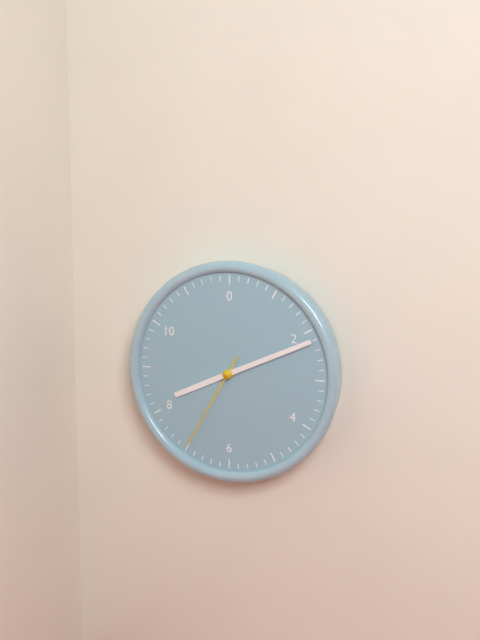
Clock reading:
8 h 11 min 35 s
